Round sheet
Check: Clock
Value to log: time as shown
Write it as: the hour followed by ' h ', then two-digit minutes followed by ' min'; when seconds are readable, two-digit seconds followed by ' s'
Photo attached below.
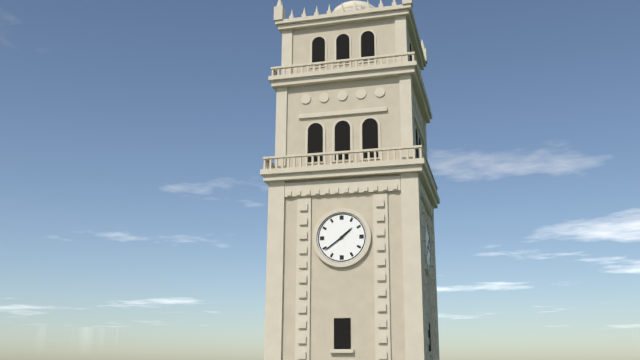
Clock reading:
1 h 39 min
